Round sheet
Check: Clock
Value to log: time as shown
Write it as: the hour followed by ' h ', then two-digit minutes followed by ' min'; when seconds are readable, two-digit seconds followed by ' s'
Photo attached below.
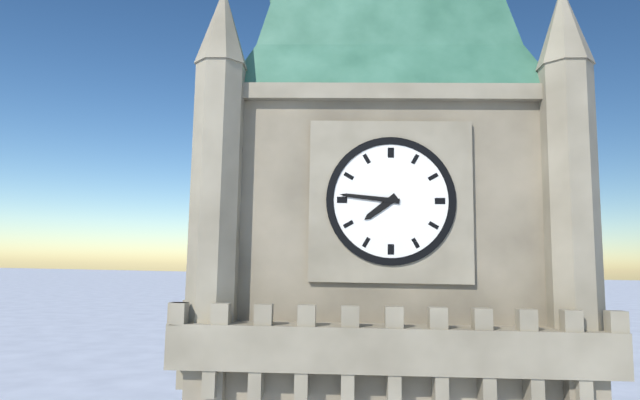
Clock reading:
7 h 46 min
